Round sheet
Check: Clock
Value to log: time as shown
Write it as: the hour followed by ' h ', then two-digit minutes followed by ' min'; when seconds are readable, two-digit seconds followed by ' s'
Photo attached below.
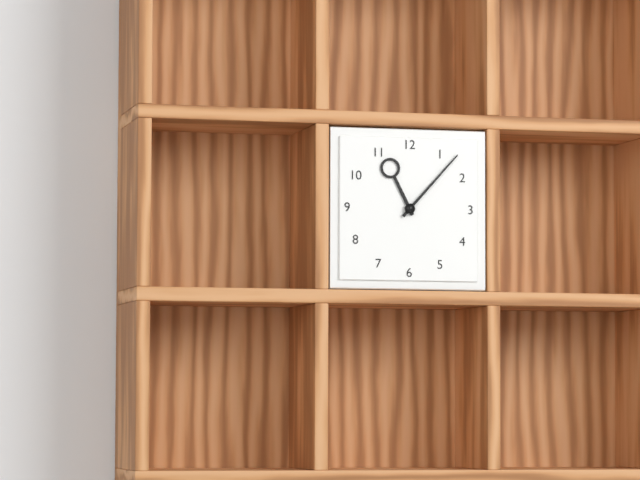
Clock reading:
11 h 07 min
